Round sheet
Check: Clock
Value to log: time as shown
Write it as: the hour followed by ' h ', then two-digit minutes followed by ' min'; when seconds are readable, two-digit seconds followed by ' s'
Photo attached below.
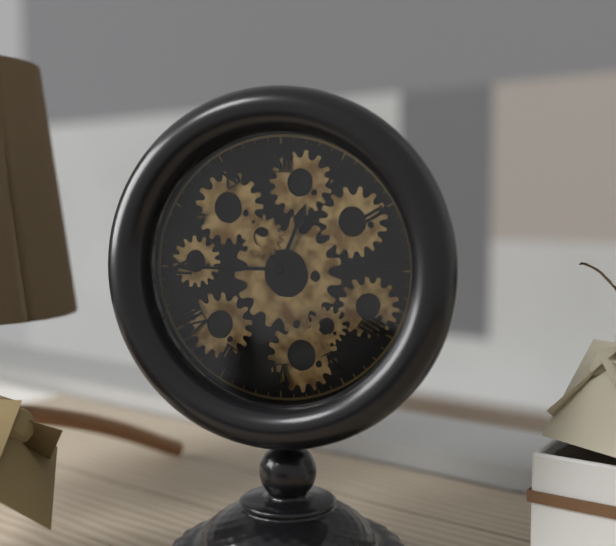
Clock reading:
12 h 45 min
